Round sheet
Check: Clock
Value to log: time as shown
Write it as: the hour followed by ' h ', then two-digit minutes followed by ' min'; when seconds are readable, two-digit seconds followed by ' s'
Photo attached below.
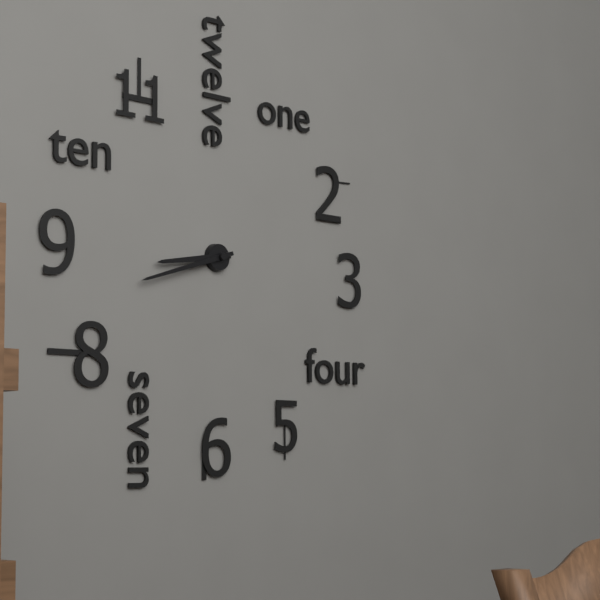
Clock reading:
8 h 42 min
